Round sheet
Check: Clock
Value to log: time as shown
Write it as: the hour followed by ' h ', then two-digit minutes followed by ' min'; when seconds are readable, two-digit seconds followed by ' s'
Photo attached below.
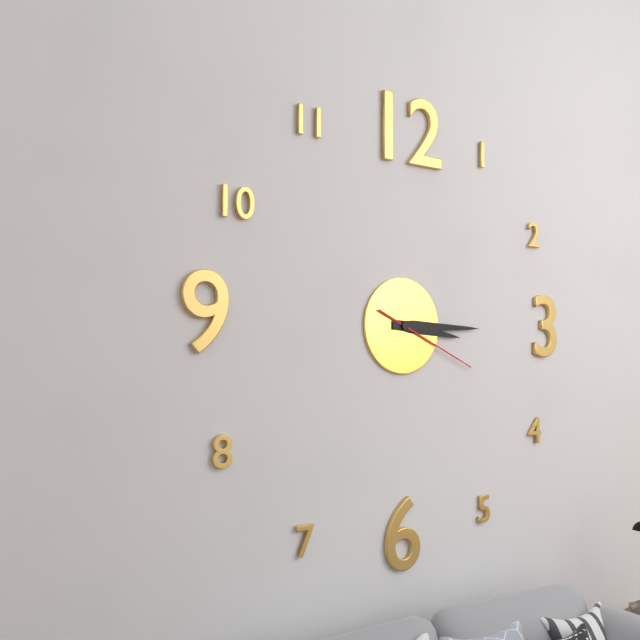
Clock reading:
3 h 15 min 19 s
